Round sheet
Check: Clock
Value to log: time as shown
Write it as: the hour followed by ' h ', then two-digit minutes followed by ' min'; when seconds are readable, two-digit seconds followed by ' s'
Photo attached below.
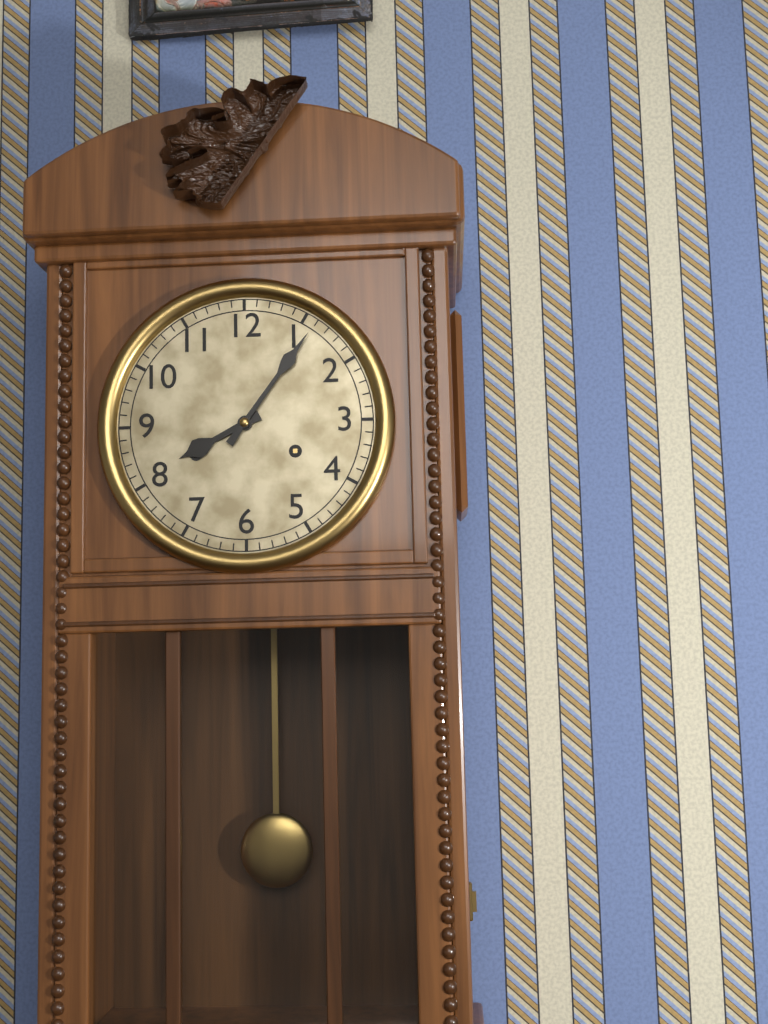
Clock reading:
8 h 06 min
